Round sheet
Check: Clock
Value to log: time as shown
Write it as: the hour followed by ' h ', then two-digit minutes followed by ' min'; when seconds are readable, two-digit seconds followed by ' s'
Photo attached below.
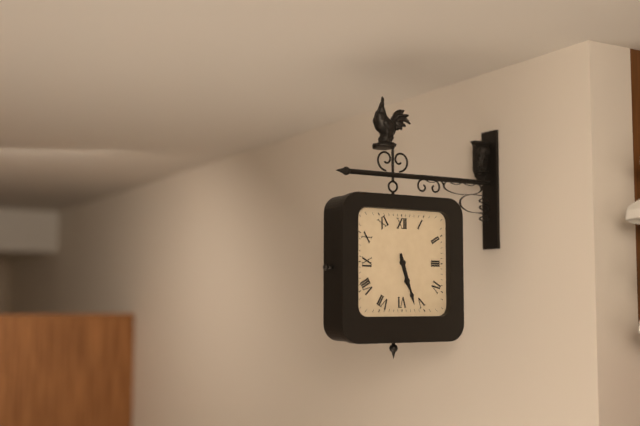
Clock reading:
5 h 27 min
